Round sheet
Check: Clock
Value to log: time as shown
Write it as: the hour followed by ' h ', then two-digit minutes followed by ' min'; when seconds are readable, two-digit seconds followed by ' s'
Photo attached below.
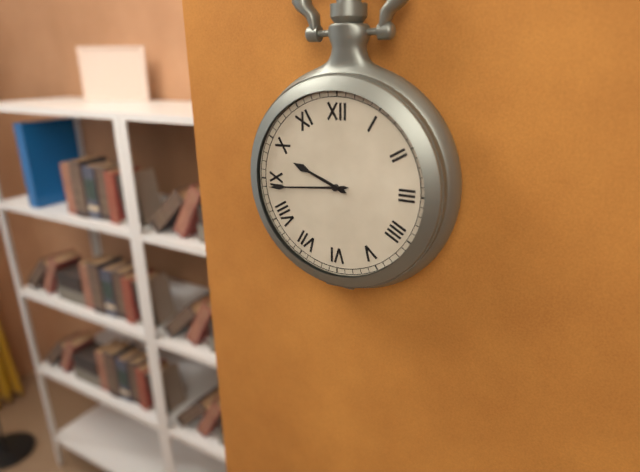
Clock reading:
9 h 44 min
